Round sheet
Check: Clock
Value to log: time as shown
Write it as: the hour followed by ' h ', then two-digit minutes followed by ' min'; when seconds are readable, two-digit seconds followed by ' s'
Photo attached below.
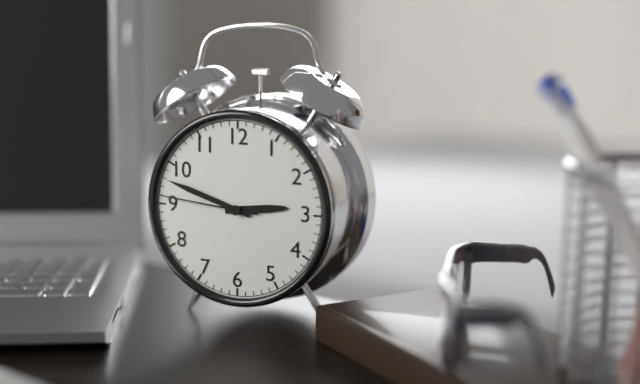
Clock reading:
2 h 48 min 46 s
